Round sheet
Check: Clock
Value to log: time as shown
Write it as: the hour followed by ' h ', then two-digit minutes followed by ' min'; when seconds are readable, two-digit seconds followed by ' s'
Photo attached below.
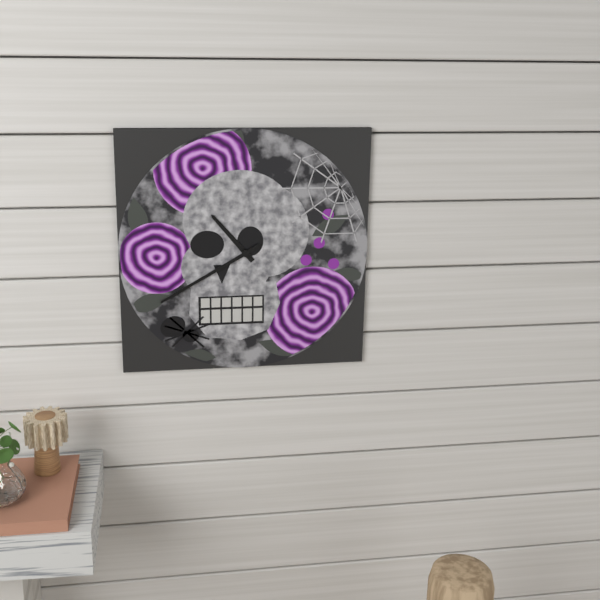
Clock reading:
10 h 40 min
